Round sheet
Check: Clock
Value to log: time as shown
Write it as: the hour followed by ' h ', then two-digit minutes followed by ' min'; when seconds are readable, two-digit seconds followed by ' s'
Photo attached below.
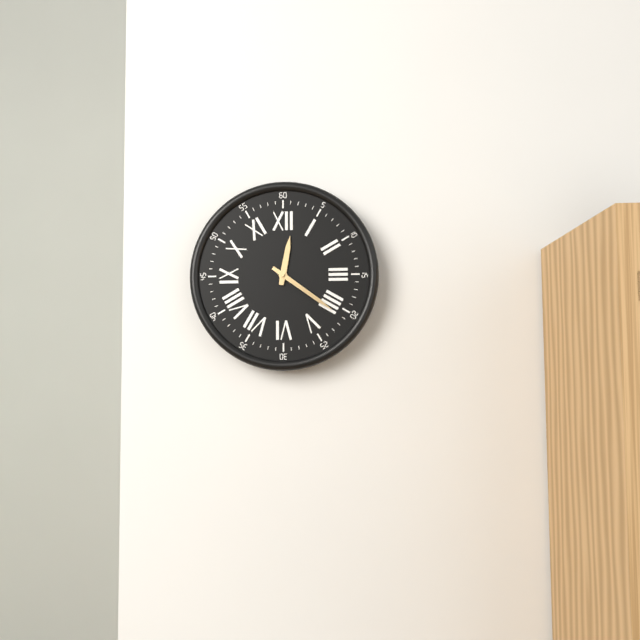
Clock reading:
12 h 21 min
